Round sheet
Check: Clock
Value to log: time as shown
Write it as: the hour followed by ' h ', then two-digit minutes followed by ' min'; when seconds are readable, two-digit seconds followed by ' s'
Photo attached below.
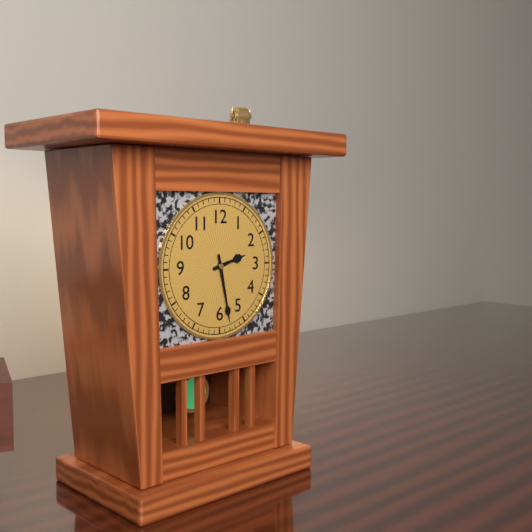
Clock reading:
2 h 28 min
